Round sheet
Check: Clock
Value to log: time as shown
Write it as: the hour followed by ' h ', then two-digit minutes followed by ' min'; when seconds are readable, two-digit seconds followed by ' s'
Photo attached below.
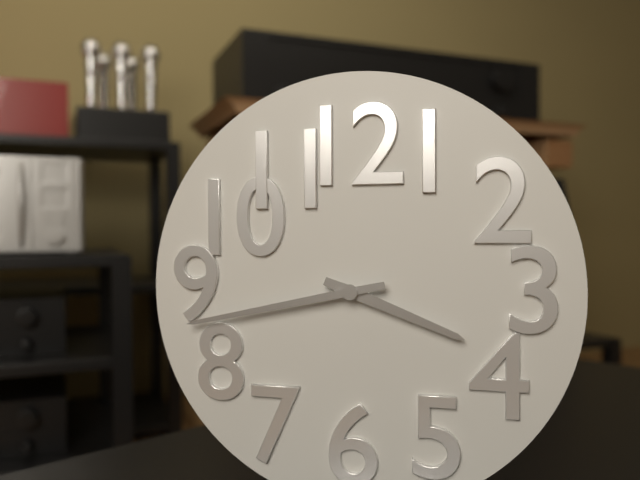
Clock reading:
3 h 43 min
